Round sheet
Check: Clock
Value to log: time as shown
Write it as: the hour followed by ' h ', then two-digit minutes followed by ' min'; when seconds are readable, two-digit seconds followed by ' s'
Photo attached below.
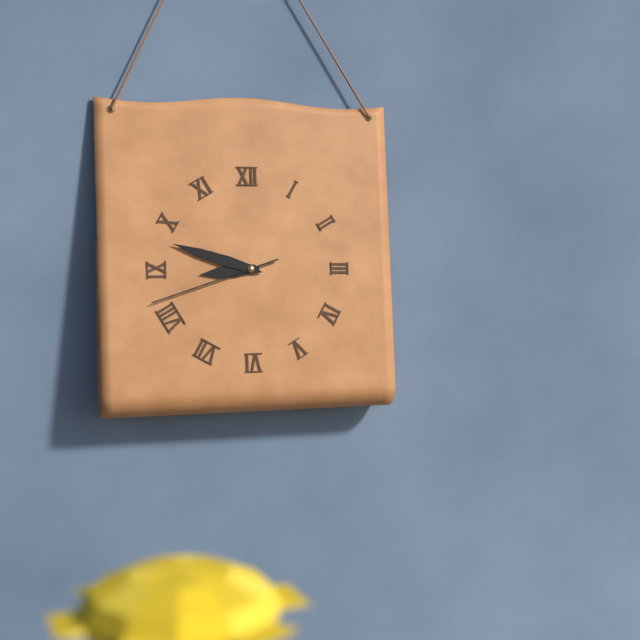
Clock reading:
8 h 48 min 42 s
